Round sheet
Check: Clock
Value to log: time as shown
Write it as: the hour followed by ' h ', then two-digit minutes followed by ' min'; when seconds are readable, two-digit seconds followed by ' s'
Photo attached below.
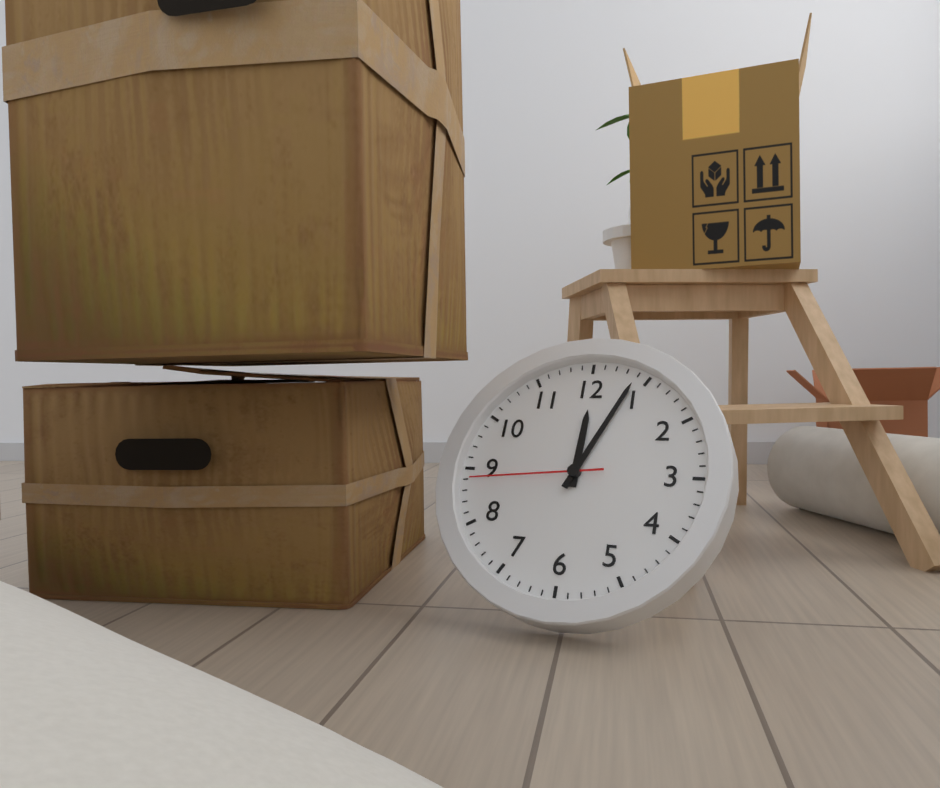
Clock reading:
12 h 04 min 44 s
